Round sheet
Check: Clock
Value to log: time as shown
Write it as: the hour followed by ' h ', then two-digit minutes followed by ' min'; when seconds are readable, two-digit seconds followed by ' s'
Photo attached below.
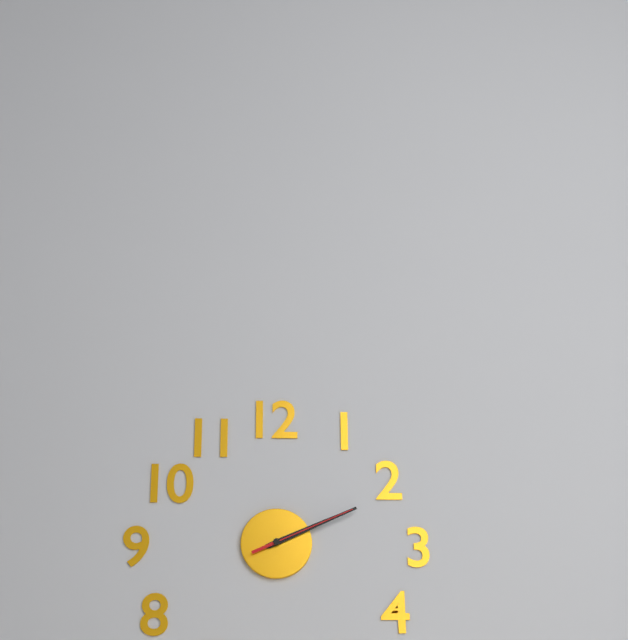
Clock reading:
2 h 11 min 11 s
